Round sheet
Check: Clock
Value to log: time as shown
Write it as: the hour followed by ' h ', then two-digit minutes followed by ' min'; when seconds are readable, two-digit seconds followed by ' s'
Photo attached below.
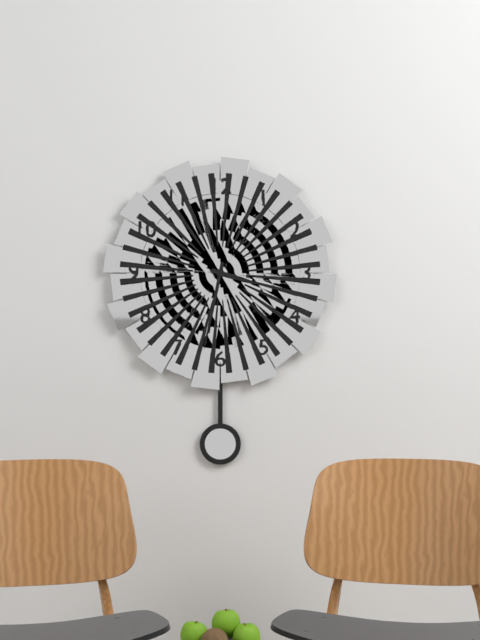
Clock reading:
3 h 32 min
